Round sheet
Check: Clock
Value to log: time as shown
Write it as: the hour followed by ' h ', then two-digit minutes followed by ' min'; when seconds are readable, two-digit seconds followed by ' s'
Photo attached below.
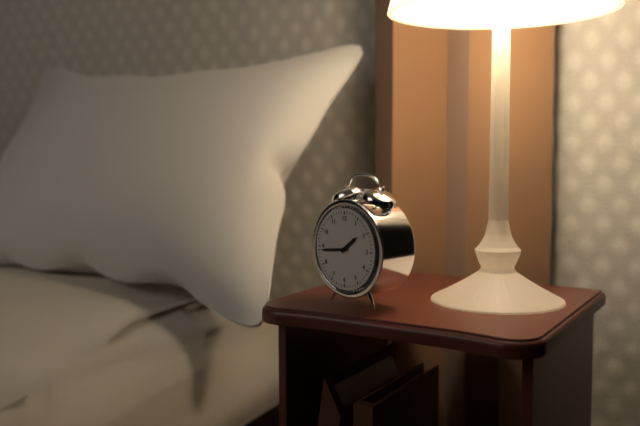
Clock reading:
1 h 44 min
